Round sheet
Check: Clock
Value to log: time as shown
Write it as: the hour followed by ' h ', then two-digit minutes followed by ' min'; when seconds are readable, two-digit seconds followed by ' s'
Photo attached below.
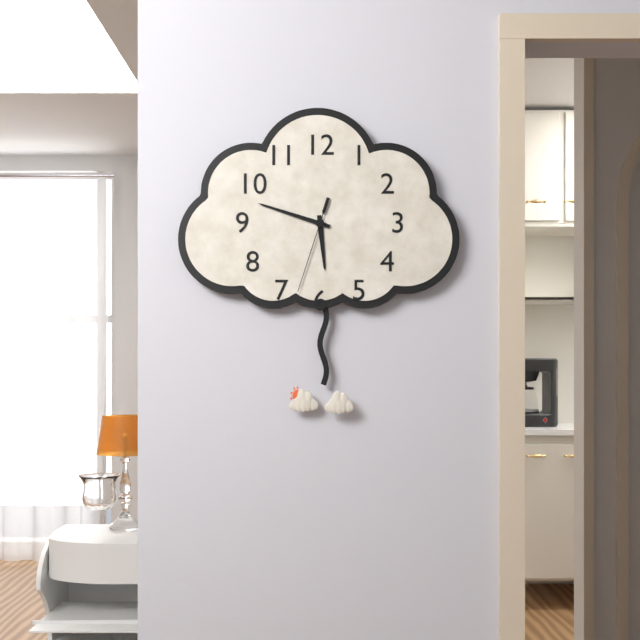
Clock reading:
5 h 48 min 33 s
